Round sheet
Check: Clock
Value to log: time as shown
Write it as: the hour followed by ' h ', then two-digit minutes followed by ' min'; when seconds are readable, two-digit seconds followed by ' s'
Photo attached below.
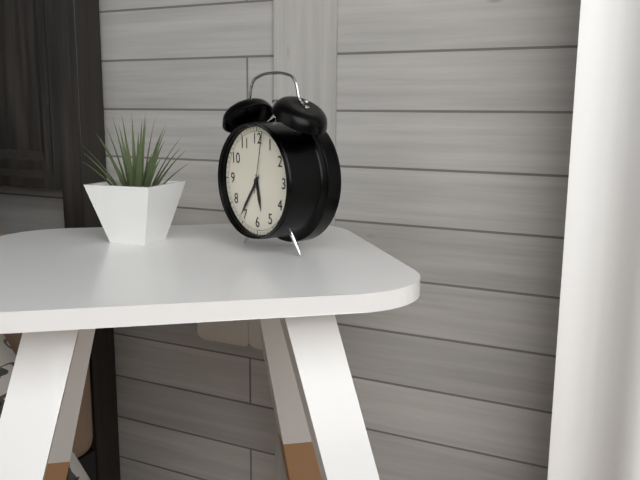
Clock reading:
5 h 36 min 02 s
